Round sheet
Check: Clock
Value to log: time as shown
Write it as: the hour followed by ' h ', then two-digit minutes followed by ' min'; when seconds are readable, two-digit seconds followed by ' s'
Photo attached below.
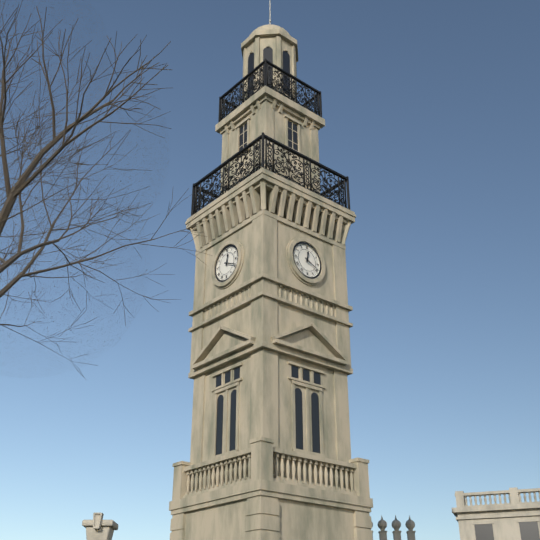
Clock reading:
12 h 19 min
